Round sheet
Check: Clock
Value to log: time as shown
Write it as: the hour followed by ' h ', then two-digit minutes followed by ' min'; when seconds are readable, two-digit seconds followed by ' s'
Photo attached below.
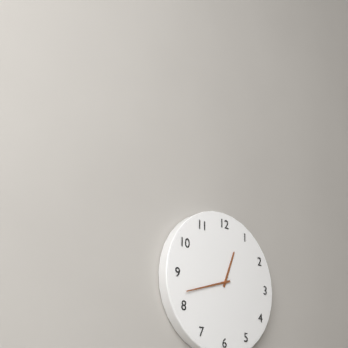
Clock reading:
12 h 42 min
